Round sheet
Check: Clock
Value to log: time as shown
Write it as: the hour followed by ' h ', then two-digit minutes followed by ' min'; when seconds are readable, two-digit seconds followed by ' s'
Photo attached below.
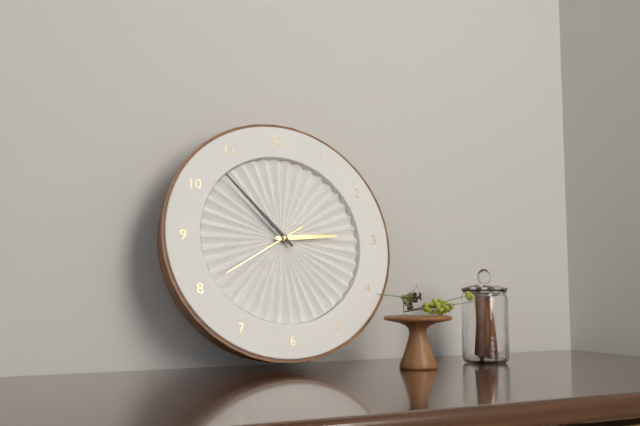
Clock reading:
2 h 53 min 40 s
